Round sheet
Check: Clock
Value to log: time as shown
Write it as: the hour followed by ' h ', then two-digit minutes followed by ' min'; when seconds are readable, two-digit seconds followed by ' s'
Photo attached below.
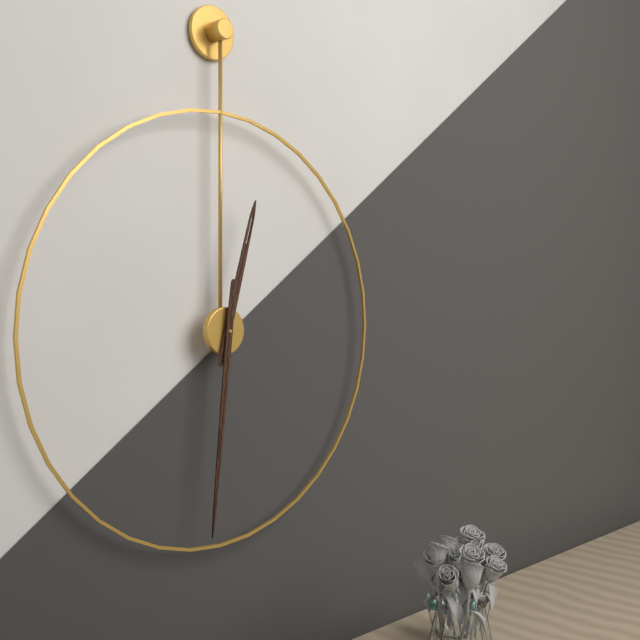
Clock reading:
12 h 31 min
